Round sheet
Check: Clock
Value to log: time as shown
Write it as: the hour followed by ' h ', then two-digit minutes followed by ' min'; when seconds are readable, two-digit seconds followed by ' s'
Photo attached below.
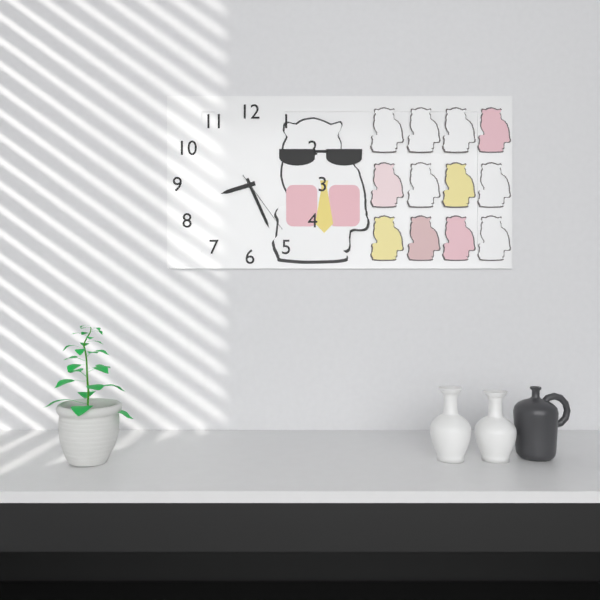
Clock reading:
8 h 26 min 24 s
